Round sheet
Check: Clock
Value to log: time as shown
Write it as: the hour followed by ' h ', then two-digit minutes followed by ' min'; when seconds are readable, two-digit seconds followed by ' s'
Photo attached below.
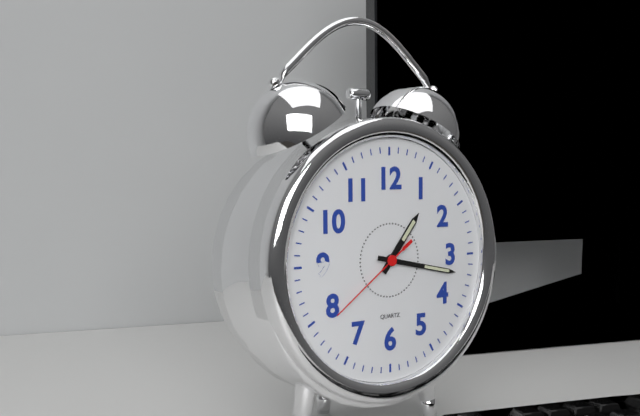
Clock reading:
1 h 17 min 39 s
